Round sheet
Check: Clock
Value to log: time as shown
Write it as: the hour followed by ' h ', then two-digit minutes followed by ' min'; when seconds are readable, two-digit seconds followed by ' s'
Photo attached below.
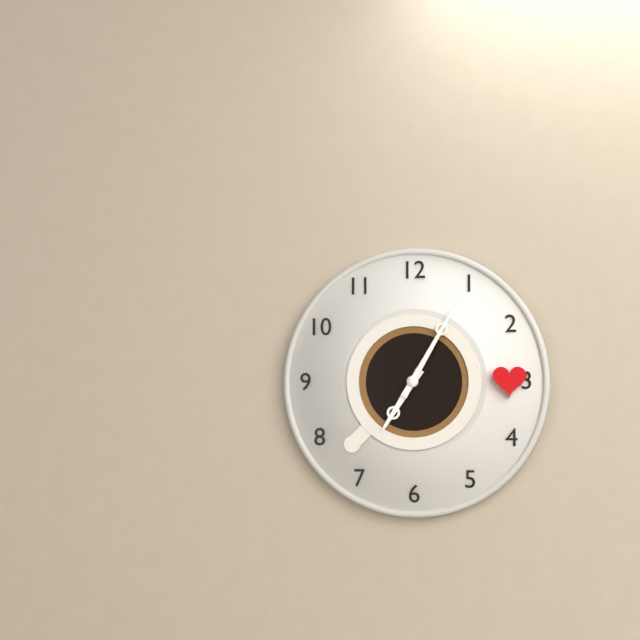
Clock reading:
7 h 05 min
